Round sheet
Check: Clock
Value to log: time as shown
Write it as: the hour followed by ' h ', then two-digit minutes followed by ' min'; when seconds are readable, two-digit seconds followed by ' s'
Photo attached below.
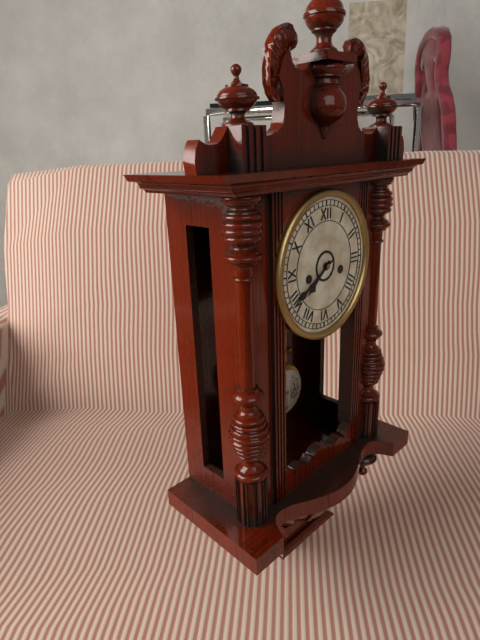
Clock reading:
7 h 40 min
